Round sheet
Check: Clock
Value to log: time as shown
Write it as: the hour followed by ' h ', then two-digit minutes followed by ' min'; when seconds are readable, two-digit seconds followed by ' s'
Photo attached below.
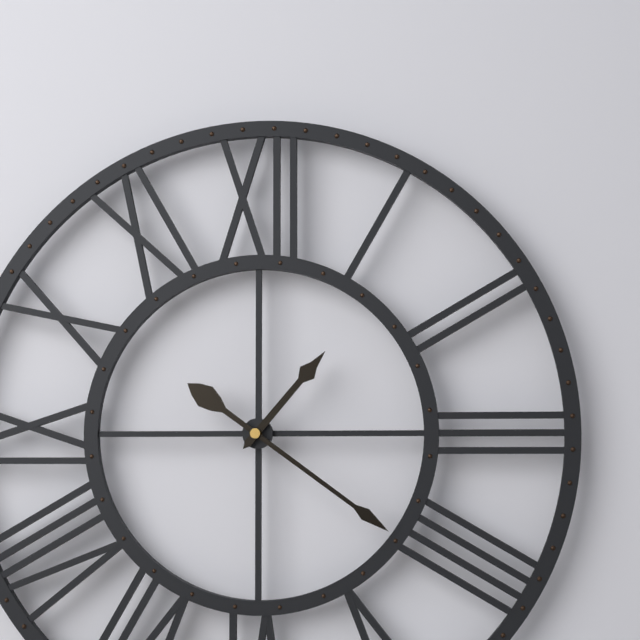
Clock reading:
1 h 21 min
